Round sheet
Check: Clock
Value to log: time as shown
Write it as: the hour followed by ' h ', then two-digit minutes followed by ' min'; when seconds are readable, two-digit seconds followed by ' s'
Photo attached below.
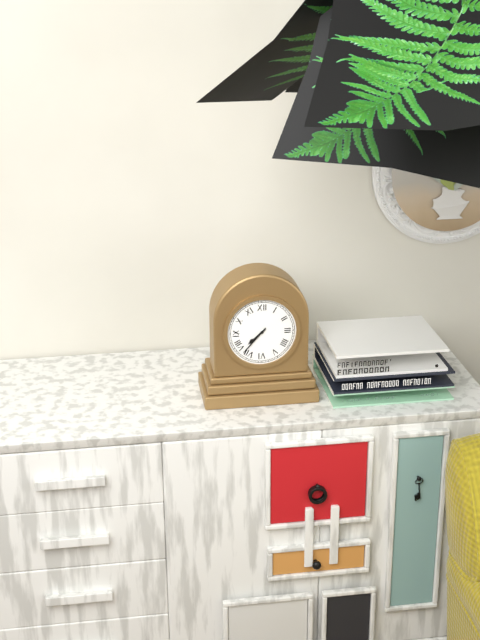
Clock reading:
7 h 37 min
